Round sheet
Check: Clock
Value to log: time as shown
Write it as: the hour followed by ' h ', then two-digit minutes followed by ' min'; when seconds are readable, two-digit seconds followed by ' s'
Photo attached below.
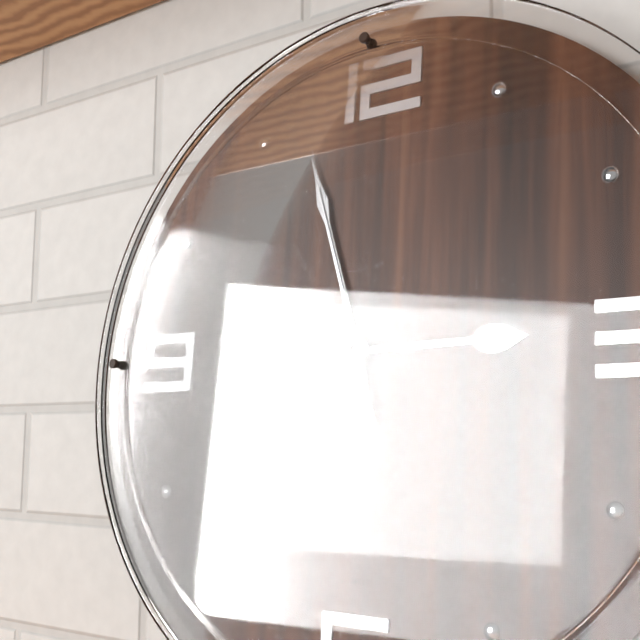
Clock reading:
2 h 57 min 57 s
